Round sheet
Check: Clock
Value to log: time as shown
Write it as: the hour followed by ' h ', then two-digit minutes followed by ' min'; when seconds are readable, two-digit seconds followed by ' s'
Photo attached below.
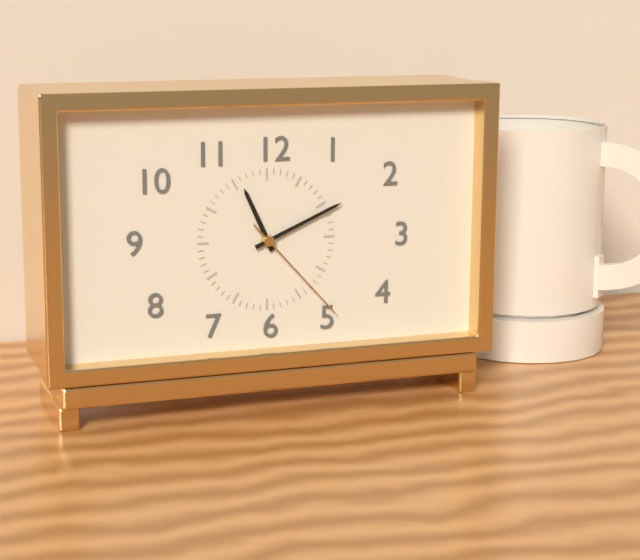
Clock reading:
11 h 11 min 23 s
